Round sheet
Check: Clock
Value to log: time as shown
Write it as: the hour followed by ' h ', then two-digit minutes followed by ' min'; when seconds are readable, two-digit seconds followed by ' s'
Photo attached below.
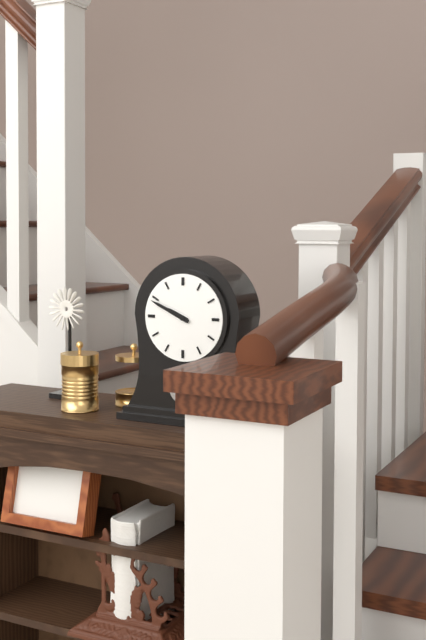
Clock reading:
9 h 49 min
